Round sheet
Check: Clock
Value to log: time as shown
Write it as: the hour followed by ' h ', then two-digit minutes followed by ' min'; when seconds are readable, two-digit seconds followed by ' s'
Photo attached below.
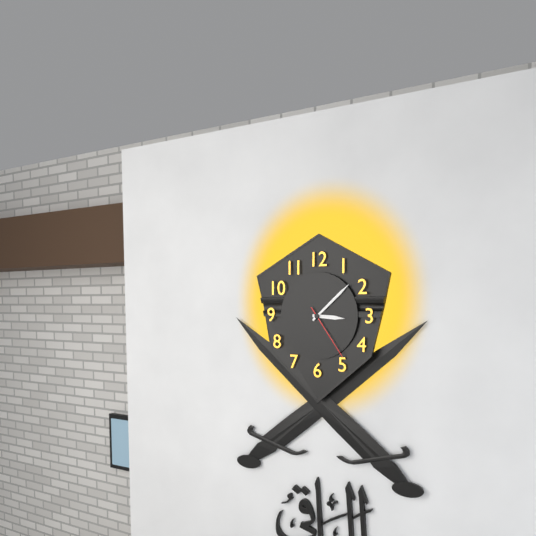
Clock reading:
3 h 08 min 24 s
